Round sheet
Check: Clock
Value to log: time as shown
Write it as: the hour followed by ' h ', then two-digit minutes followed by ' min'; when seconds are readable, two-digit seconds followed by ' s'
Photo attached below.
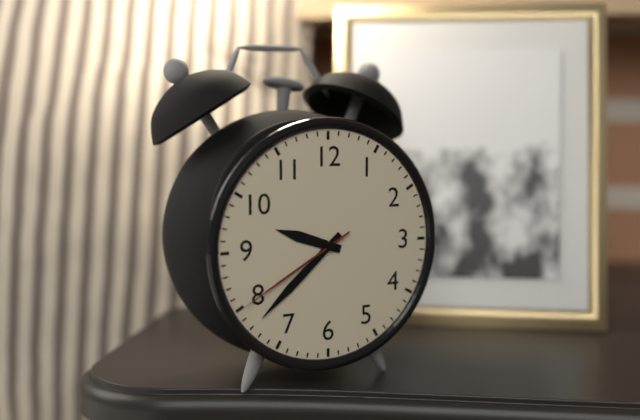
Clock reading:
9 h 38 min 40 s
